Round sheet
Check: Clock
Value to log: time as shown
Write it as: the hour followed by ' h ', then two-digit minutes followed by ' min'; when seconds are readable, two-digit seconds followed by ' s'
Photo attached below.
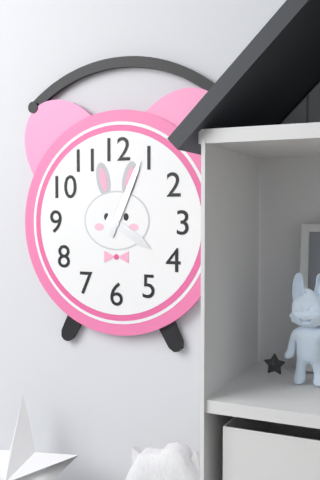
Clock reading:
4 h 04 min
